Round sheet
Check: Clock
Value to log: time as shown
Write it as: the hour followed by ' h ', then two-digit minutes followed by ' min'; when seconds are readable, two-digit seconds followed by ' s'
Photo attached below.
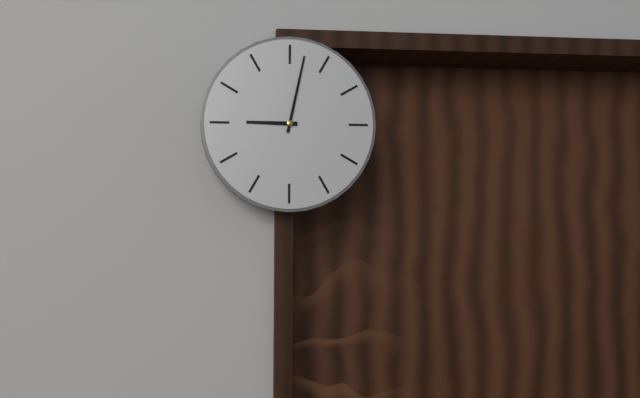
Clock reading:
9 h 02 min
